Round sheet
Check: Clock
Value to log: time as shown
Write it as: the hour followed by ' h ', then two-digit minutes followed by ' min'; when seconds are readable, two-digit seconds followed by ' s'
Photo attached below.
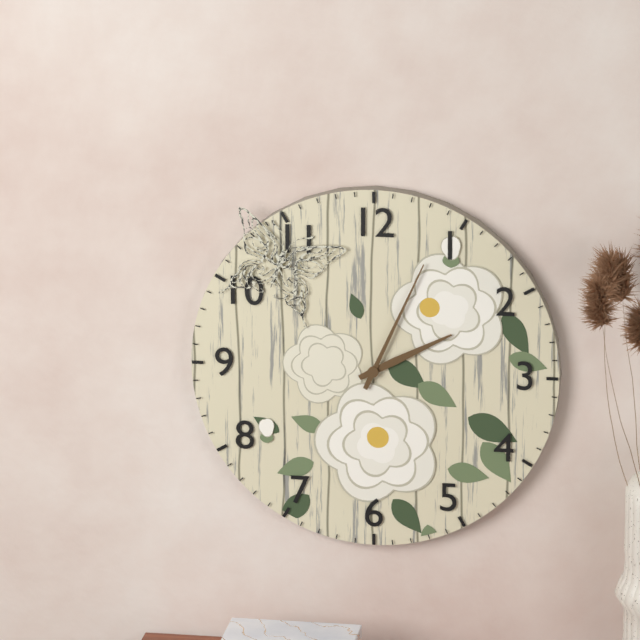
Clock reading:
2 h 04 min
